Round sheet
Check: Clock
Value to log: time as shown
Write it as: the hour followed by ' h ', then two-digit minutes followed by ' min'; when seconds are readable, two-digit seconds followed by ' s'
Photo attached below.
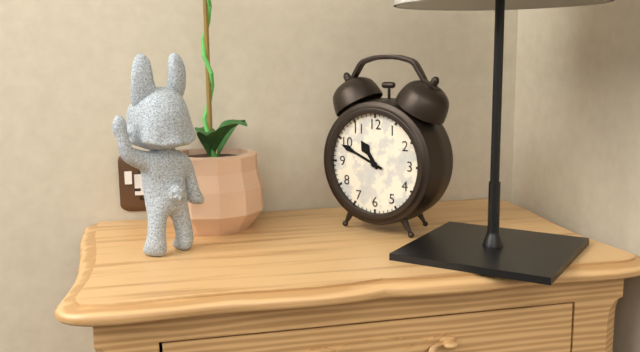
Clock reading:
10 h 49 min
